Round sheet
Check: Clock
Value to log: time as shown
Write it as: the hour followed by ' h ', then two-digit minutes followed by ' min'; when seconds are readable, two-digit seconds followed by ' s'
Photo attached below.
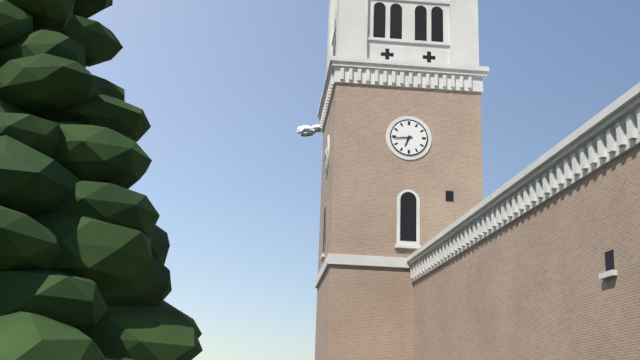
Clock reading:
6 h 44 min
